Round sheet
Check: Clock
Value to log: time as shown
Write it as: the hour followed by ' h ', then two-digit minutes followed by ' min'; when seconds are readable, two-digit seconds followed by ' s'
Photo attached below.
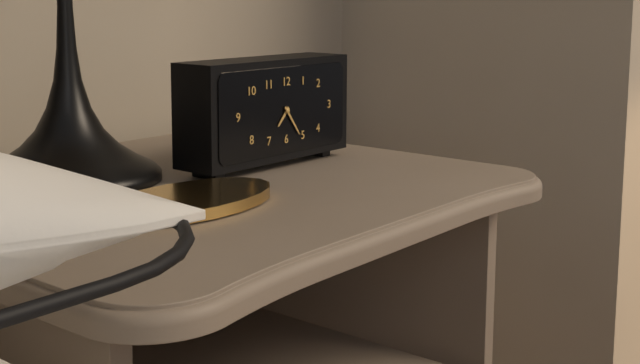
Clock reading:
7 h 24 min
